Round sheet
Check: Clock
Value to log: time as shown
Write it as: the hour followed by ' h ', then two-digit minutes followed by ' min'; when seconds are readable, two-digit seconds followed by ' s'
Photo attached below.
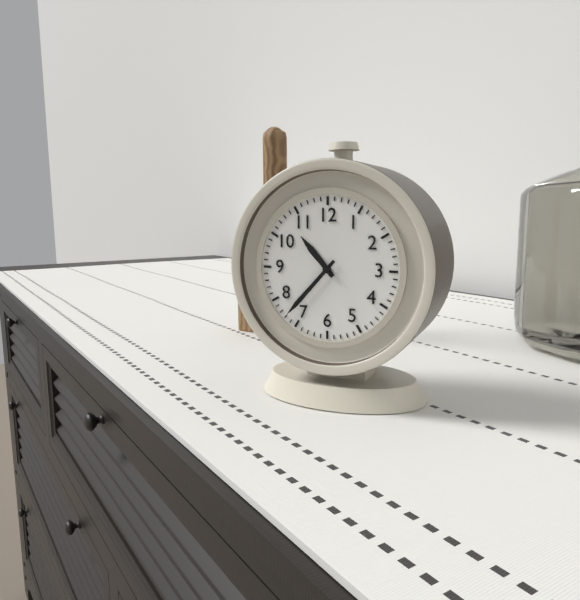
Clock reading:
10 h 37 min
